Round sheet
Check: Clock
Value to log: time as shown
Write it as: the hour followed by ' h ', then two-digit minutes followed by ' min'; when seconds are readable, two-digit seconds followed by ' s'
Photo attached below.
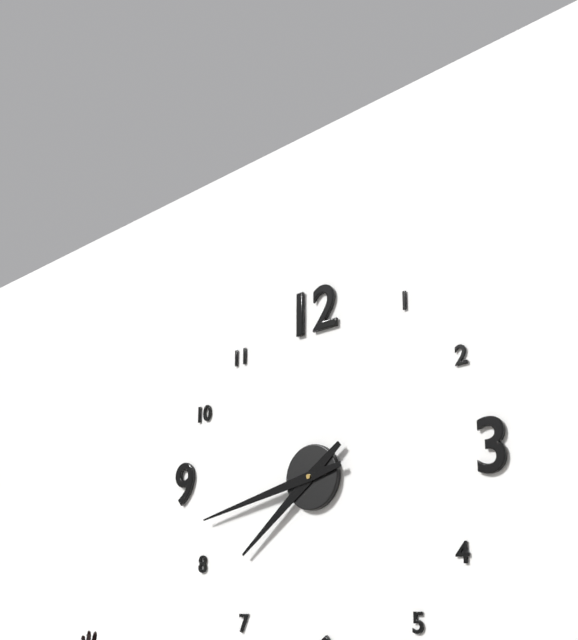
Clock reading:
7 h 43 min
